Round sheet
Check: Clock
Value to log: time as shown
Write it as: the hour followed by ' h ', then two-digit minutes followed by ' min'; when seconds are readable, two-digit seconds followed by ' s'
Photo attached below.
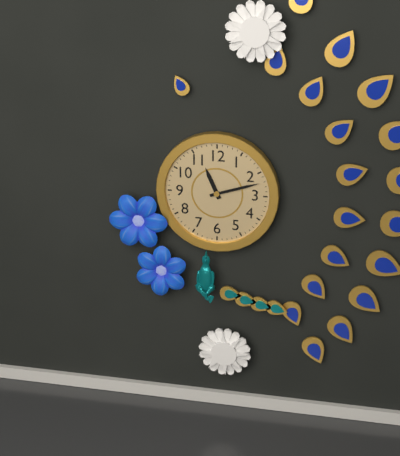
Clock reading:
11 h 12 min
